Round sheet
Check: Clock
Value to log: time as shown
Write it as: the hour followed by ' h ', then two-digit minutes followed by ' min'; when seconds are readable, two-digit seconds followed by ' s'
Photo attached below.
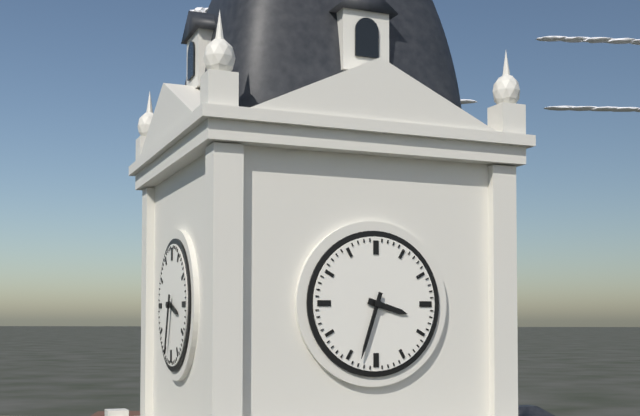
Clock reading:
3 h 33 min
